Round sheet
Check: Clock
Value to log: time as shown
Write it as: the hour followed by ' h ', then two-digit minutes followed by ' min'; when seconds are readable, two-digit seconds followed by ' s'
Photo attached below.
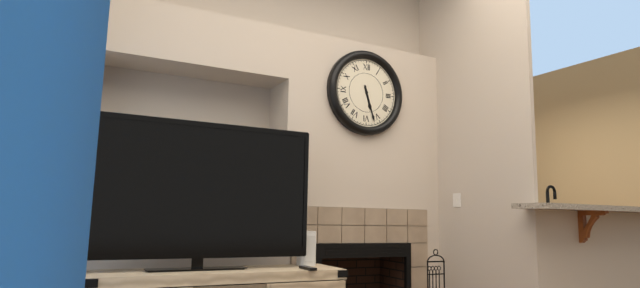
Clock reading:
5 h 27 min
